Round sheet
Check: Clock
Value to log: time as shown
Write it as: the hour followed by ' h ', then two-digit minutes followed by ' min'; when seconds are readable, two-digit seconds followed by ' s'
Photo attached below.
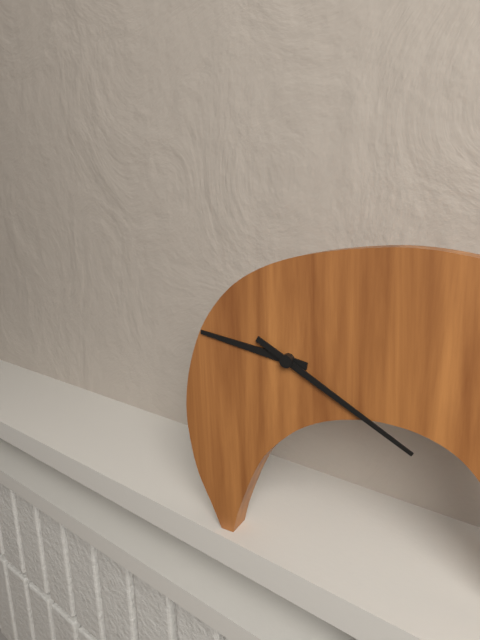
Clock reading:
9 h 20 min
